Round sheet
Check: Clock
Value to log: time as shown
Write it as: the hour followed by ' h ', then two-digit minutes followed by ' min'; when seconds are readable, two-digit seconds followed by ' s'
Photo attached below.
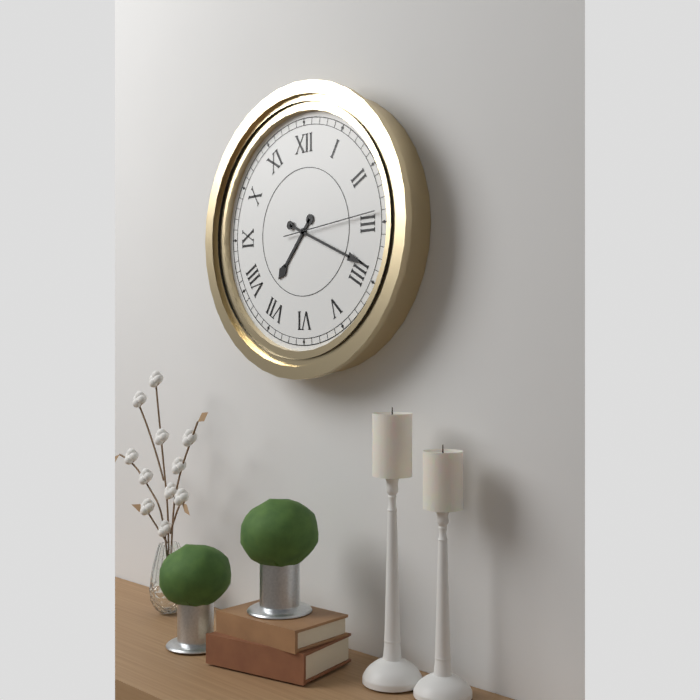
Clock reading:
7 h 19 min 14 s
